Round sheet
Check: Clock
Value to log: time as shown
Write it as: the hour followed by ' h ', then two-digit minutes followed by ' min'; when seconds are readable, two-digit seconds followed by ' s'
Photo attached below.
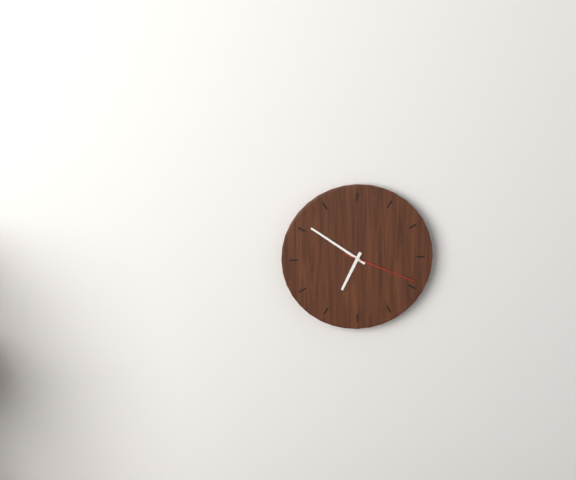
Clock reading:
6 h 51 min 19 s
